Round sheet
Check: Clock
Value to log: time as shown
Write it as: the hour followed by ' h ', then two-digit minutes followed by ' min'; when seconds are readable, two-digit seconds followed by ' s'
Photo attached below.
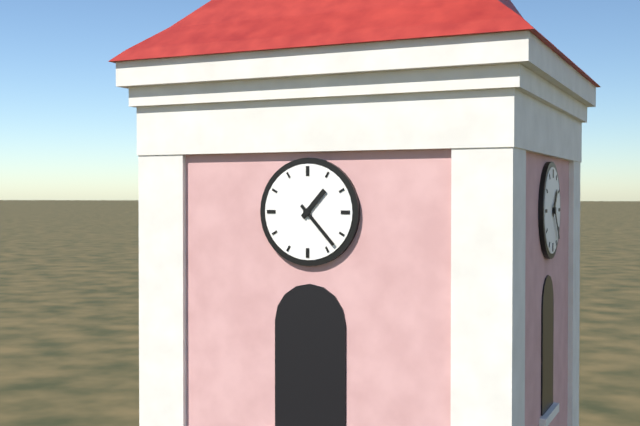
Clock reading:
1 h 23 min
